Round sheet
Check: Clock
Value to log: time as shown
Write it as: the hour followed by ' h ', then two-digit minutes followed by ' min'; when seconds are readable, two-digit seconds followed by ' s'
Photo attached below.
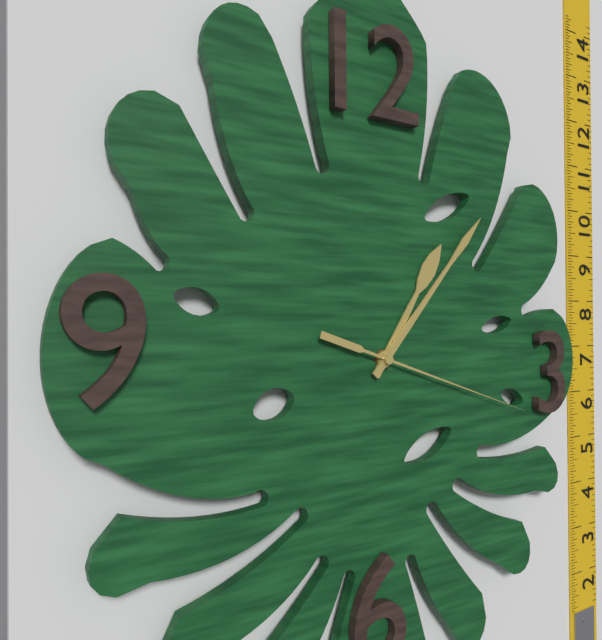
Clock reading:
1 h 07 min 18 s
